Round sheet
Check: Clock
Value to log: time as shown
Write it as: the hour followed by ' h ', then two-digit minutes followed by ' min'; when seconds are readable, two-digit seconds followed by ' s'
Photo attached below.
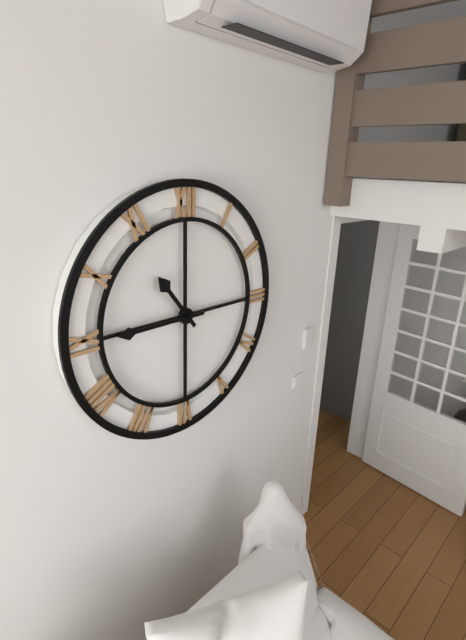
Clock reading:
10 h 45 min
